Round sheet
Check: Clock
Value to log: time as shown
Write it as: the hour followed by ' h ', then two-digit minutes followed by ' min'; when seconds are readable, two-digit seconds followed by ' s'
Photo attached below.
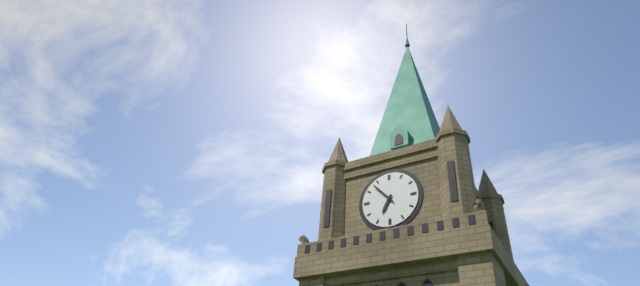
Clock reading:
6 h 53 min
